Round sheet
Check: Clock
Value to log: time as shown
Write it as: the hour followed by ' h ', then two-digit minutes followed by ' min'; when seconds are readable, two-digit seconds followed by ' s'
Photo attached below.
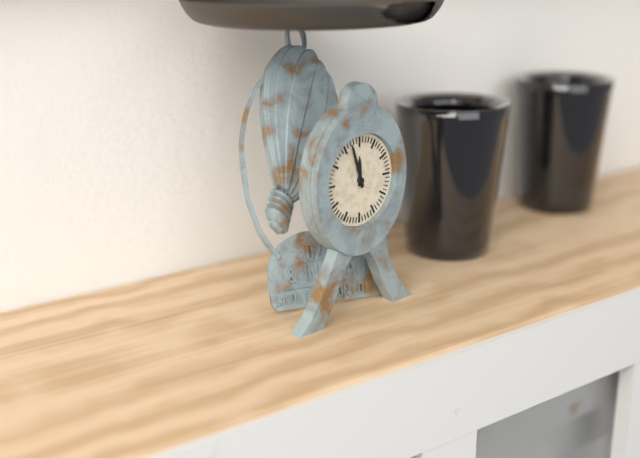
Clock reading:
11 h 57 min
